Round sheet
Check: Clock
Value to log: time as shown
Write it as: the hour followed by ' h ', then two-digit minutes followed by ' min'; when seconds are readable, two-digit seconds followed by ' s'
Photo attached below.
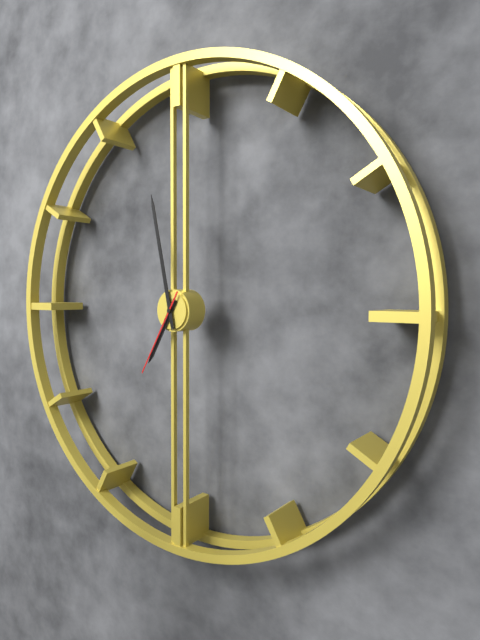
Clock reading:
6 h 58 min 35 s
